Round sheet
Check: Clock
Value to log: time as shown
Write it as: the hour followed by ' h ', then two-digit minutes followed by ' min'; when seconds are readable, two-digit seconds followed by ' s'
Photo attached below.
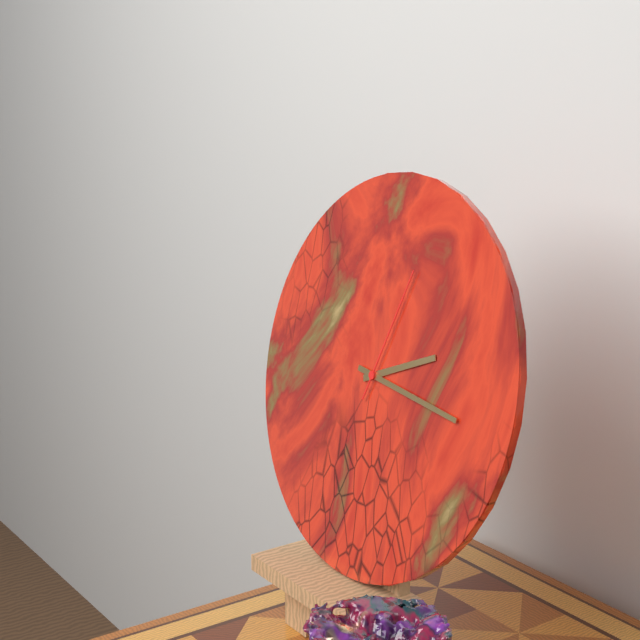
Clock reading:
2 h 16 min 03 s
